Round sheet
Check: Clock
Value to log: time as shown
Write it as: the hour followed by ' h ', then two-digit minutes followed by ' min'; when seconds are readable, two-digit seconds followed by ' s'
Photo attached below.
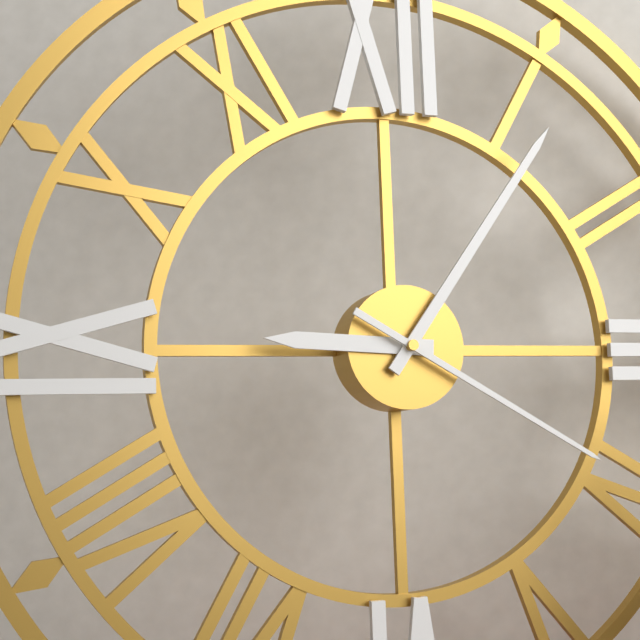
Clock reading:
9 h 06 min 20 s
